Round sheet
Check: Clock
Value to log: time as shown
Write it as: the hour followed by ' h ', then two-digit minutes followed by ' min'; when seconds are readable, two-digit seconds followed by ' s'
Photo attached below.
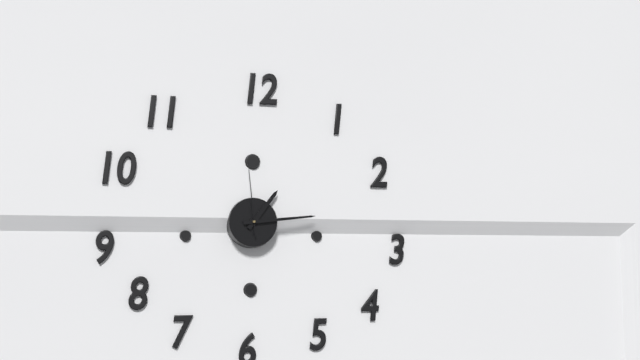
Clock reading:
1 h 14 min 59 s
